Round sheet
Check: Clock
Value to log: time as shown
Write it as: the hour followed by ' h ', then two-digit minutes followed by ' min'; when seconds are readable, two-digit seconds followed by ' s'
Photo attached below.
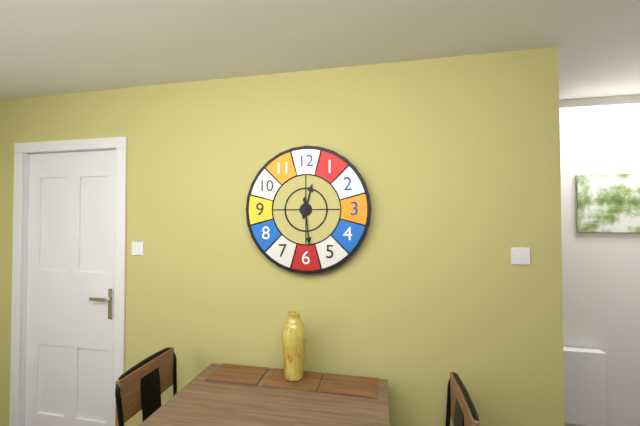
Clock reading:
12 h 29 min
